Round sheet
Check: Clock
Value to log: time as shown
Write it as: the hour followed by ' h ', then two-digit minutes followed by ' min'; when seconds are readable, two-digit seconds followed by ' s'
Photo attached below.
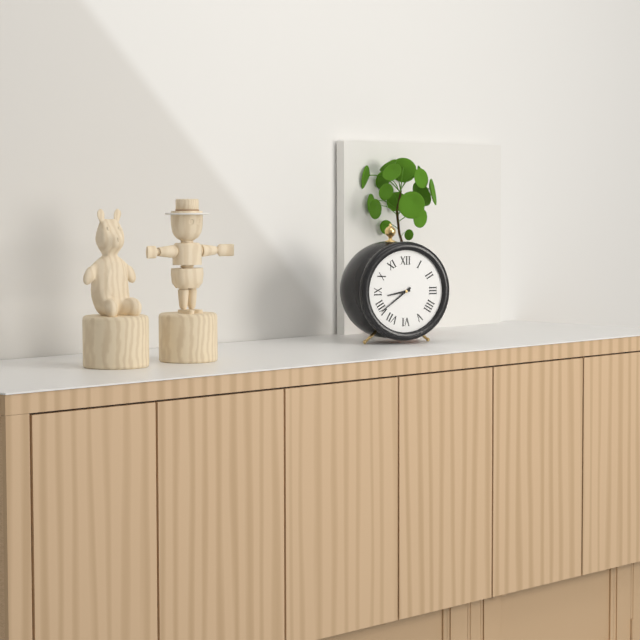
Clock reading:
8 h 39 min
